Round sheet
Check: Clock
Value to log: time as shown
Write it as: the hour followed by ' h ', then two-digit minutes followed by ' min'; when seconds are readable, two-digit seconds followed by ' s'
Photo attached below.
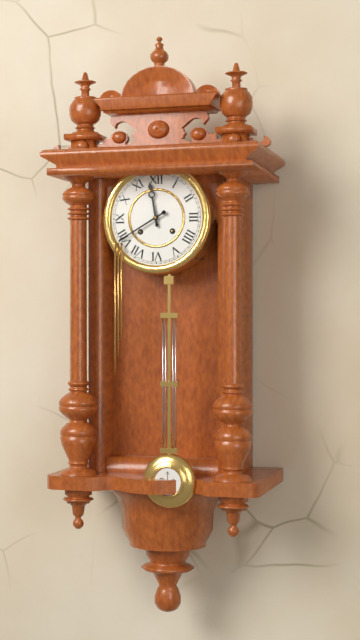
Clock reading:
11 h 40 min
